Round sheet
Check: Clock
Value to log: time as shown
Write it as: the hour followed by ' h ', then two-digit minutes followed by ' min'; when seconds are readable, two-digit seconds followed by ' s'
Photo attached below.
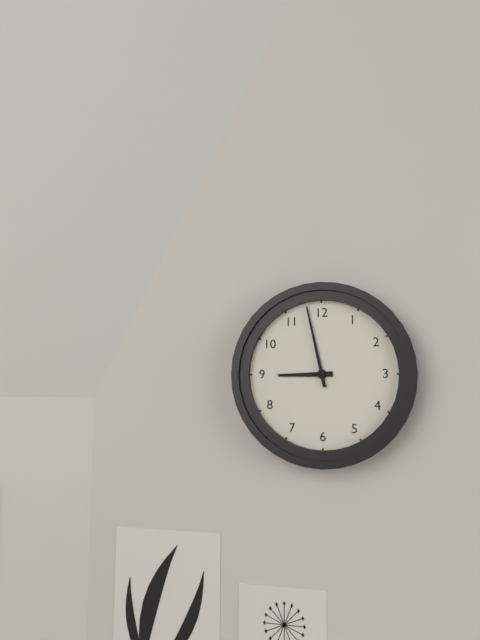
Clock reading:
8 h 58 min
